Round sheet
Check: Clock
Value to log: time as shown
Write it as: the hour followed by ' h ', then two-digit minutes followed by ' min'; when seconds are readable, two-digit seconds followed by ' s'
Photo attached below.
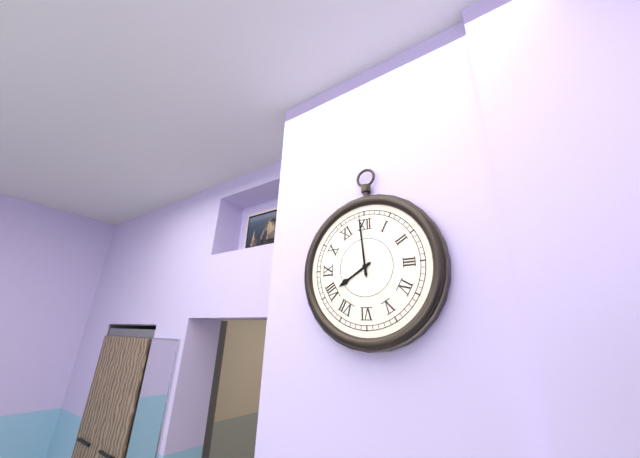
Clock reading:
7 h 59 min
